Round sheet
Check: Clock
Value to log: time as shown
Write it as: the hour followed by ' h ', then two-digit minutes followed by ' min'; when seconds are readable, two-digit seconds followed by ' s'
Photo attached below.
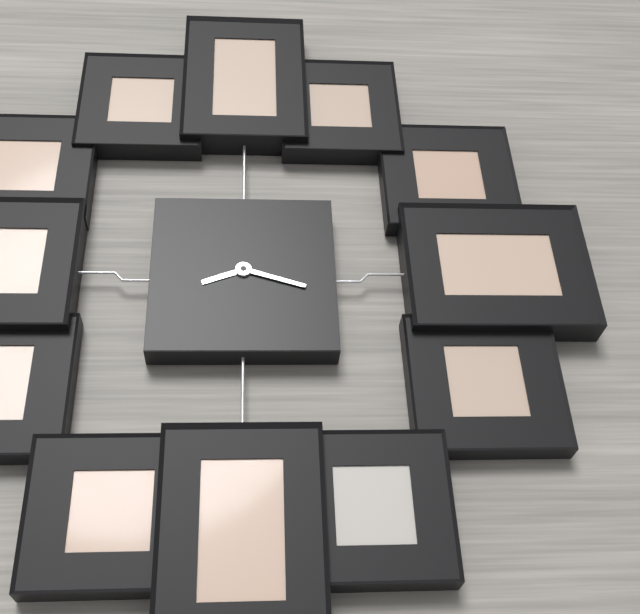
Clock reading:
8 h 18 min
